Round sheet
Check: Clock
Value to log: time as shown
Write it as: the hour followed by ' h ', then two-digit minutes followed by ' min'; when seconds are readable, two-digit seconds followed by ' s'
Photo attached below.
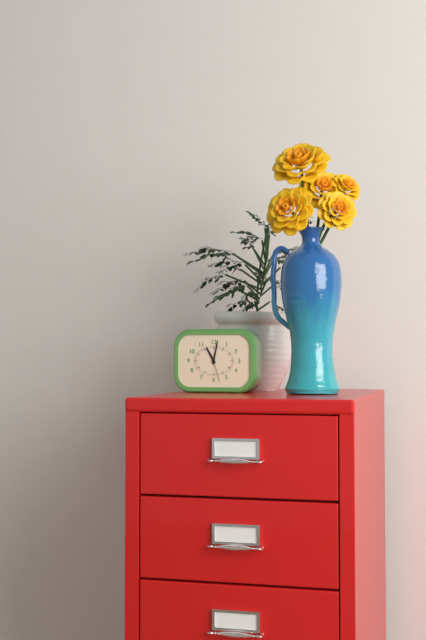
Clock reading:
11 h 02 min
